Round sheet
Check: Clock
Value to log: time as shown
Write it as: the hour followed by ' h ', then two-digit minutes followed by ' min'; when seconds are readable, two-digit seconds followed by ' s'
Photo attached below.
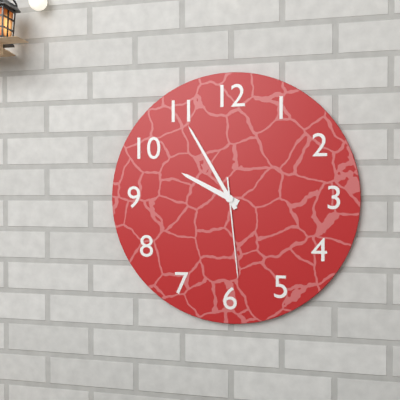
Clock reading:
9 h 55 min 29 s
